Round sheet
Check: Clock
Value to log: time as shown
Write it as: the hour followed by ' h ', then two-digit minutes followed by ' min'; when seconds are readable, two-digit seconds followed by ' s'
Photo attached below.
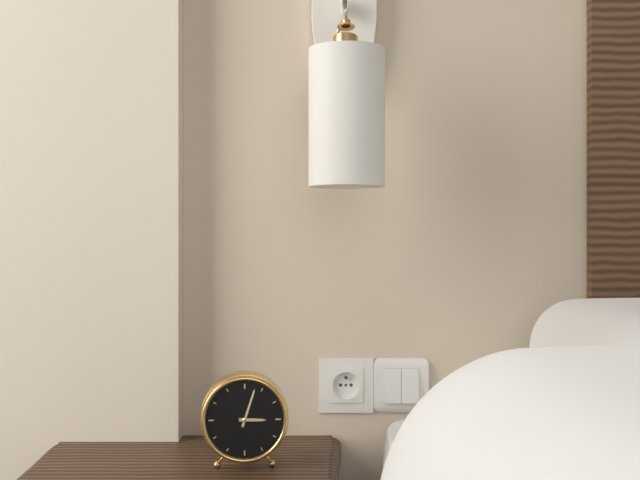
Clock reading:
3 h 03 min
